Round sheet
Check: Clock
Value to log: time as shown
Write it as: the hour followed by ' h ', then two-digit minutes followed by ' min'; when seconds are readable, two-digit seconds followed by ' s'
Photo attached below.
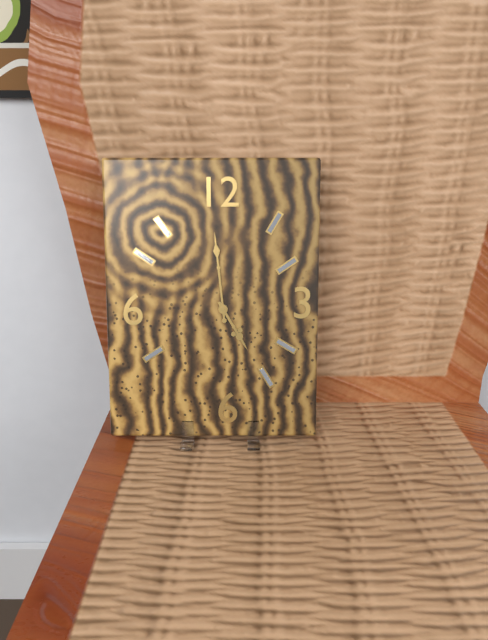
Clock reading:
4 h 59 min
